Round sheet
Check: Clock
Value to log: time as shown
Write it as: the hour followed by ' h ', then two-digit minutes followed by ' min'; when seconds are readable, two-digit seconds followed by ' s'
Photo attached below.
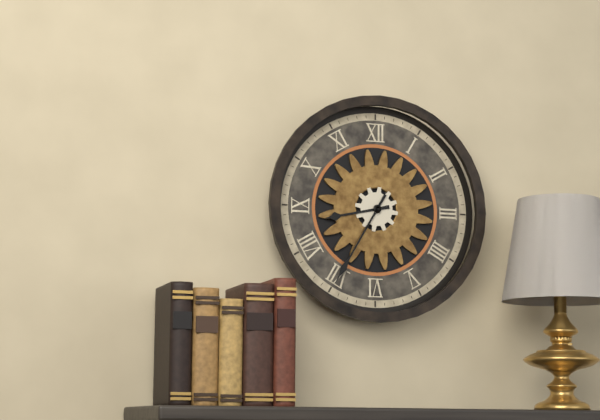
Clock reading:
8 h 35 min
